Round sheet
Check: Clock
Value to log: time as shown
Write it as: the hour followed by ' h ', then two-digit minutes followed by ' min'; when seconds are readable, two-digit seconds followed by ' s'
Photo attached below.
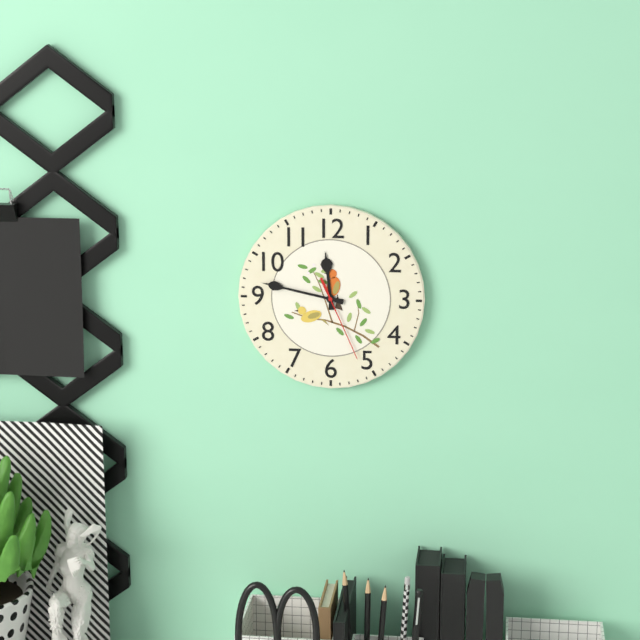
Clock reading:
11 h 47 min 26 s
